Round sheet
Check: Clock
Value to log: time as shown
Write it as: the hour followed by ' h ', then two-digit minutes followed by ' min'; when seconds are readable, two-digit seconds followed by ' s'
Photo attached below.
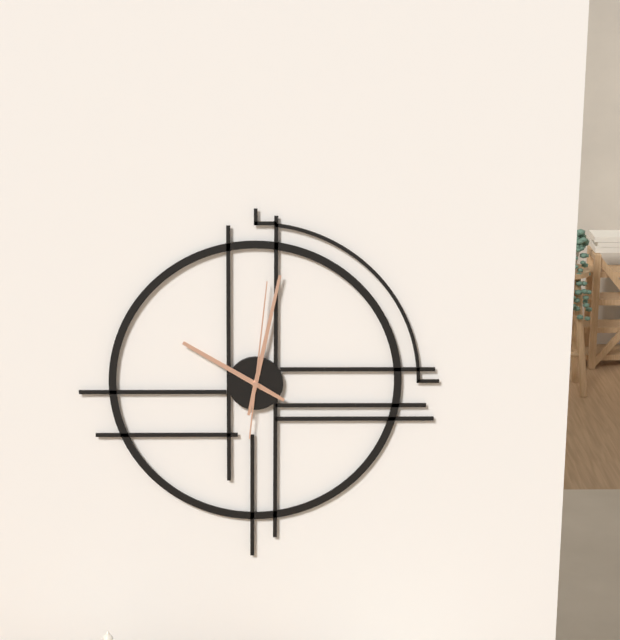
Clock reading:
10 h 02 min 01 s
